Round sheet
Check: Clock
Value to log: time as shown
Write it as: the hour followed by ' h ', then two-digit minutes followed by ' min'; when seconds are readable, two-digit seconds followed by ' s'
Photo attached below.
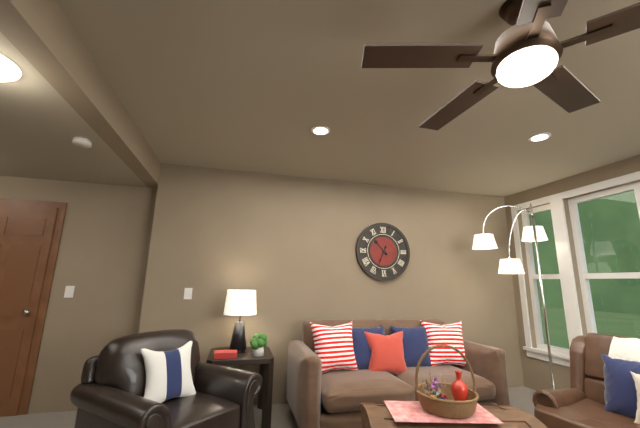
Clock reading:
10 h 34 min
